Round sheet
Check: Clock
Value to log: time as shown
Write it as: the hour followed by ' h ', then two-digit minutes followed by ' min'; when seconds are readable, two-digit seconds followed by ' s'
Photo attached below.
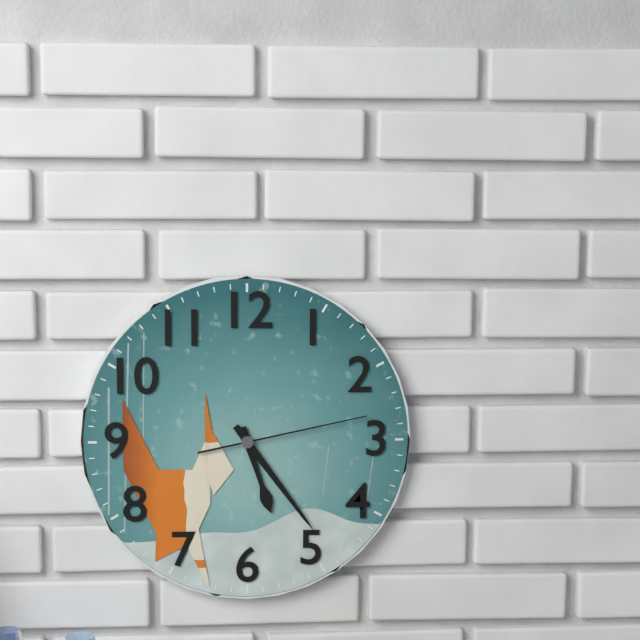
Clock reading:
5 h 24 min 13 s
